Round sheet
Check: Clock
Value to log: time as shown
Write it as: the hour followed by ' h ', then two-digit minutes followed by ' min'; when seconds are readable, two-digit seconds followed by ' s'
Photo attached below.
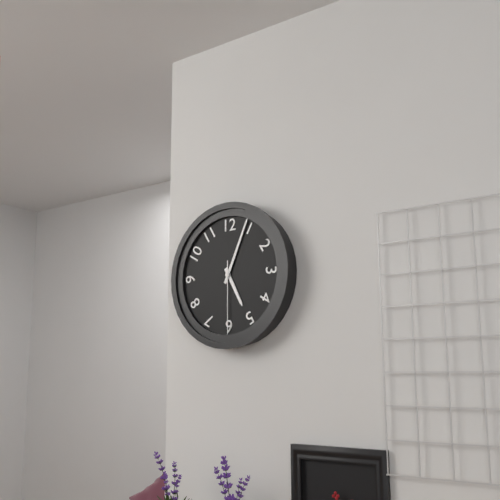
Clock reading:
5 h 04 min 30 s
